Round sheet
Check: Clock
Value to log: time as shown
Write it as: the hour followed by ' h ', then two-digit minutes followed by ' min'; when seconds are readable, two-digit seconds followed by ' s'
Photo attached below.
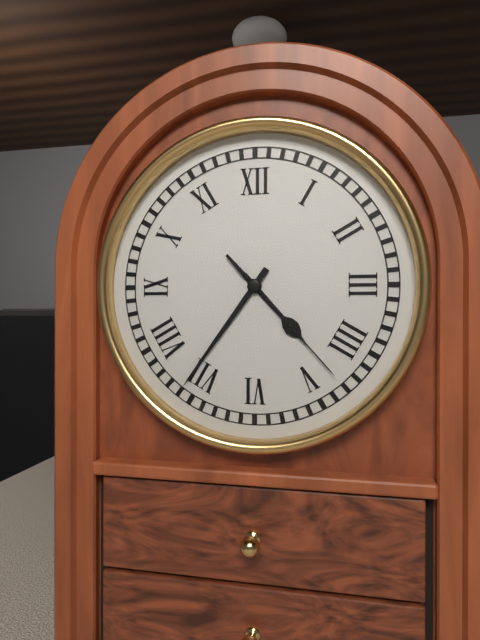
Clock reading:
4 h 36 min 23 s
